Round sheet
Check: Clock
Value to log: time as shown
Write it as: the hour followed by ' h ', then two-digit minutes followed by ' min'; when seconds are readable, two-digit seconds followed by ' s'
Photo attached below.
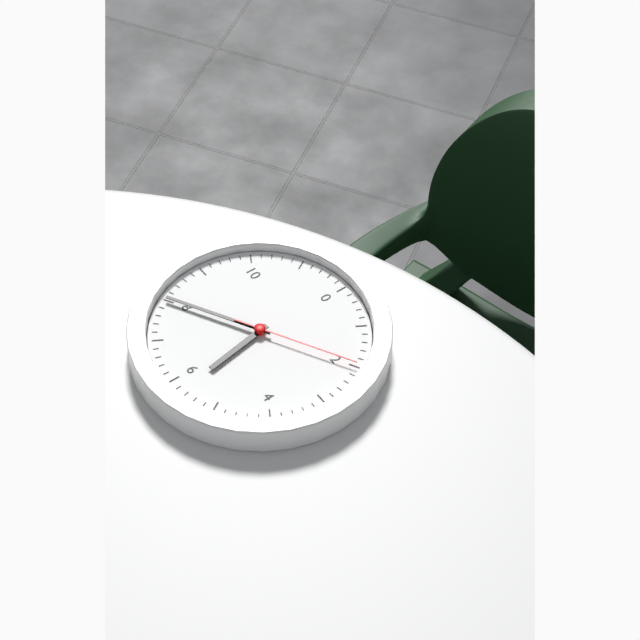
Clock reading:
5 h 40 min 10 s
